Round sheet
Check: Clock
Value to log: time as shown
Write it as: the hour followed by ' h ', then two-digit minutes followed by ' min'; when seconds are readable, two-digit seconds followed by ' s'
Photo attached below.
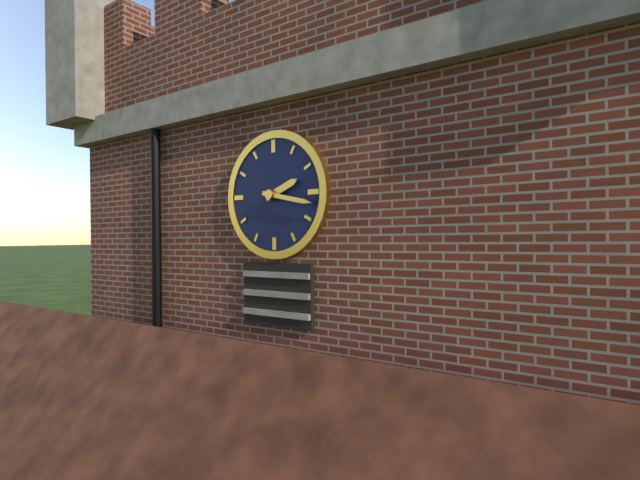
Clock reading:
2 h 17 min
